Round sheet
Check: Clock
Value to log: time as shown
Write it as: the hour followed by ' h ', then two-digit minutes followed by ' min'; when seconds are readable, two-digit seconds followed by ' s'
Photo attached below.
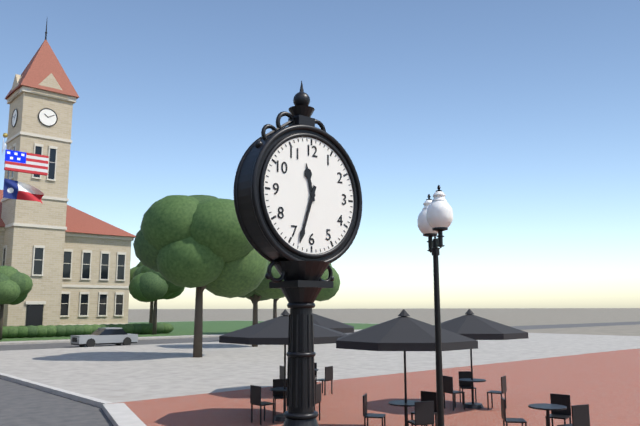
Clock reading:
11 h 33 min
